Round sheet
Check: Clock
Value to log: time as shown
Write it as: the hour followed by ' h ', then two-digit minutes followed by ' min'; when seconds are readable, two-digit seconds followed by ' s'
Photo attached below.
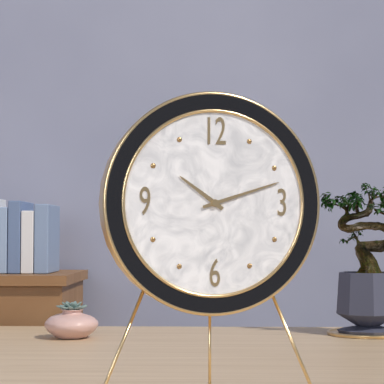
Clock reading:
10 h 12 min
